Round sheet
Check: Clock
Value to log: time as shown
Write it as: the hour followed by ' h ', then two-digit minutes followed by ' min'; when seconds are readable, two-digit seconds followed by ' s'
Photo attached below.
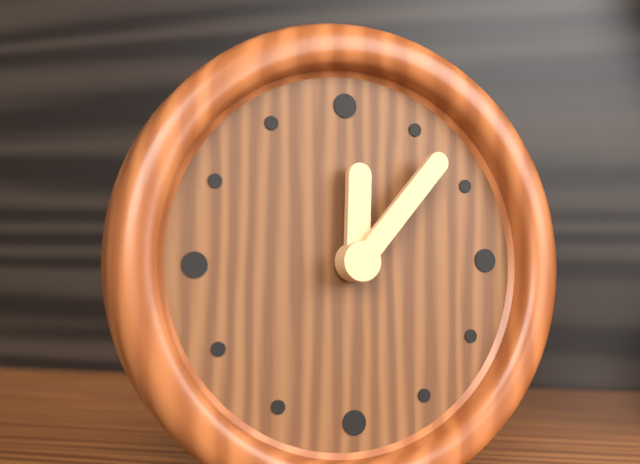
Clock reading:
12 h 07 min
